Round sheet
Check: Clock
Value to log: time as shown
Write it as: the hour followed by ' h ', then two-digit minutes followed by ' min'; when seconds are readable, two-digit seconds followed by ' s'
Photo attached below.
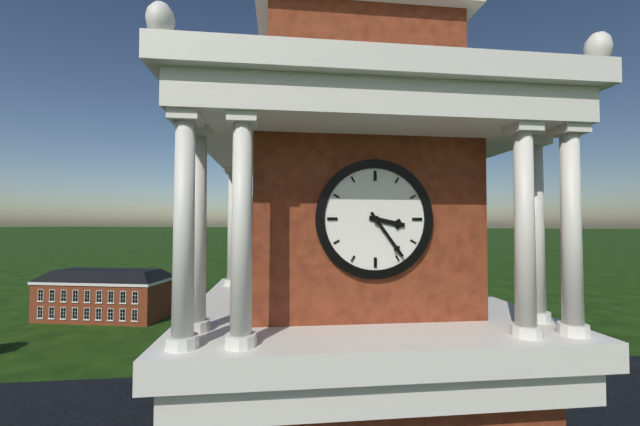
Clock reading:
3 h 24 min
